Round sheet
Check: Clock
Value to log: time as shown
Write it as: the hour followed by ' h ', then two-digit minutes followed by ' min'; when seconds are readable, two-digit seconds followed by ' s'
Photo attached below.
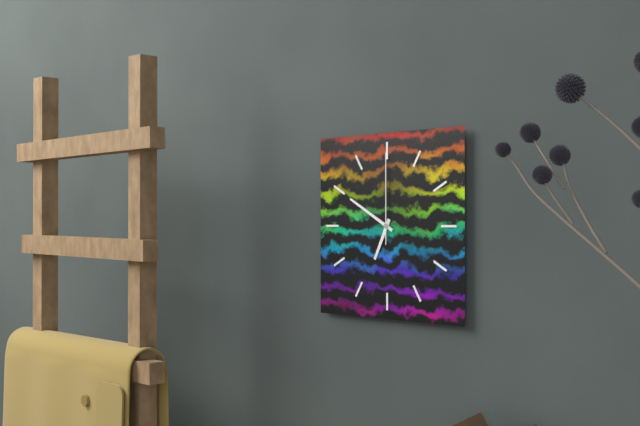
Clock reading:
6 h 50 min 00 s
